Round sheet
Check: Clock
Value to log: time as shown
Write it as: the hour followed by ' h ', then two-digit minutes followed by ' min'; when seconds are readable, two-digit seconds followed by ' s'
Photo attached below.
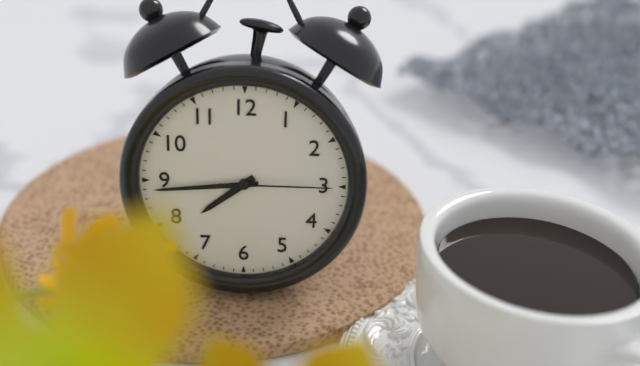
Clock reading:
7 h 44 min 15 s
